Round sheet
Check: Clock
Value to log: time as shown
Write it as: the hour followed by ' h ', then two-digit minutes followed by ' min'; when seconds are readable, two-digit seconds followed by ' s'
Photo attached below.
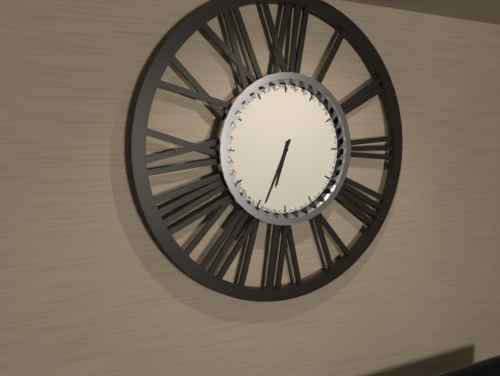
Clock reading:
6 h 34 min
